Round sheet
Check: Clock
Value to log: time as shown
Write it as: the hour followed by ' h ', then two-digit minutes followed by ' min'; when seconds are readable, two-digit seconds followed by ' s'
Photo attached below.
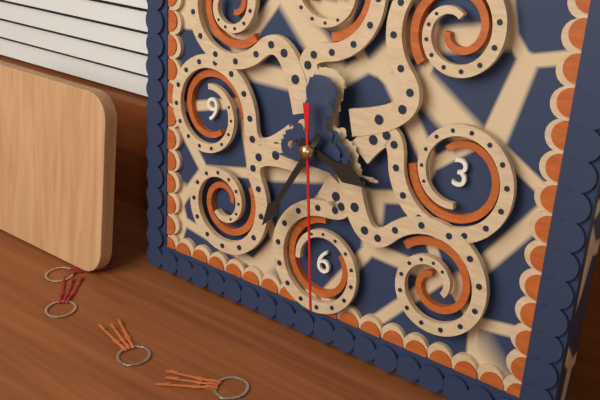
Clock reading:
3 h 35 min 29 s
